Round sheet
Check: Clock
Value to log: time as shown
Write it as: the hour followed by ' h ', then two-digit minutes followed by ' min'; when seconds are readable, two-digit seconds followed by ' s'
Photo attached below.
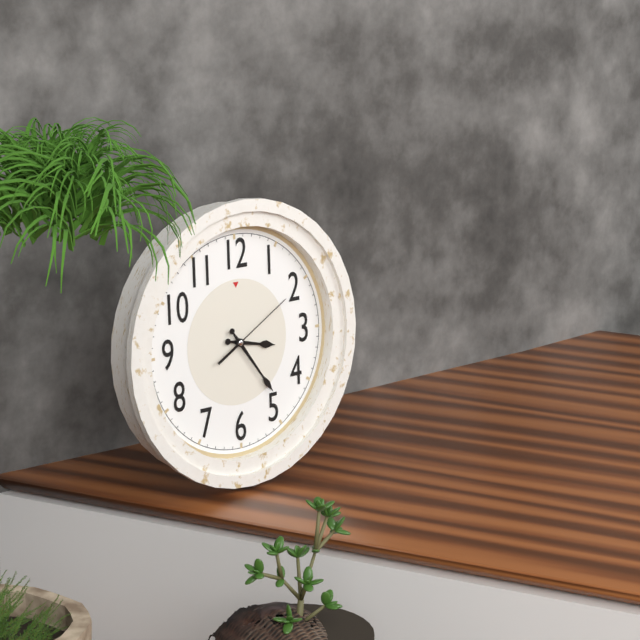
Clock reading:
3 h 24 min 10 s
